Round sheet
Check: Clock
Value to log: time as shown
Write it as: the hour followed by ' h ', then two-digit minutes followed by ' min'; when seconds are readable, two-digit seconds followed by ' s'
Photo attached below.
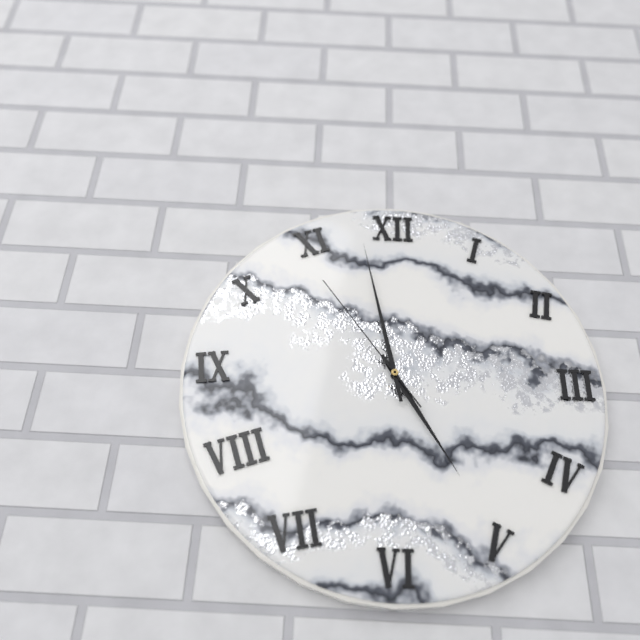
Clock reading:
4 h 58 min 54 s
